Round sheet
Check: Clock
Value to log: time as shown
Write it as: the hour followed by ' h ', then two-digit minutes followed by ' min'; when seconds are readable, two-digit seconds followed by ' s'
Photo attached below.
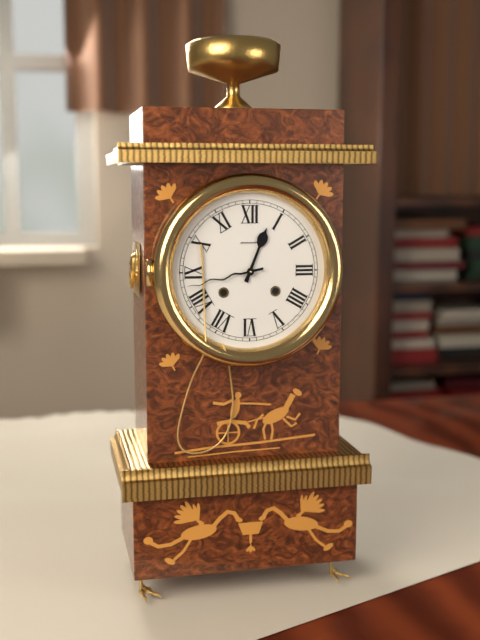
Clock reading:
12 h 43 min
